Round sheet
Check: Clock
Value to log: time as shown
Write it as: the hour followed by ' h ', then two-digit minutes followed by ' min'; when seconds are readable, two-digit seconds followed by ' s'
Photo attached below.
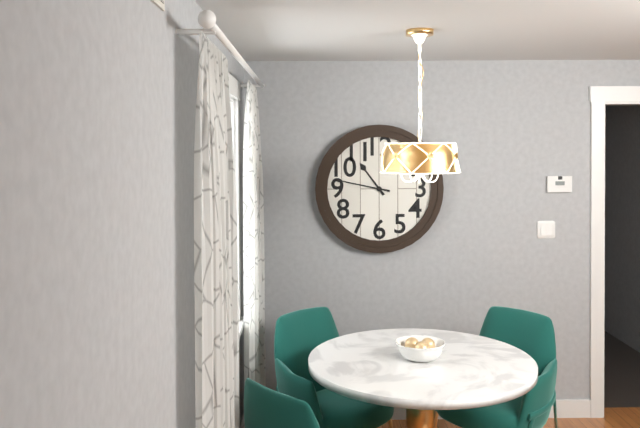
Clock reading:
10 h 47 min
